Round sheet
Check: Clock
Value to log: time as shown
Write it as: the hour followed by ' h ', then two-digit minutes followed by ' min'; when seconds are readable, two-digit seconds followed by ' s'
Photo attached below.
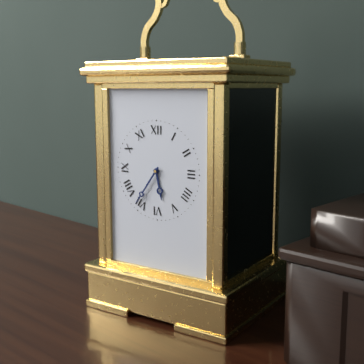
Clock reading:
5 h 36 min
